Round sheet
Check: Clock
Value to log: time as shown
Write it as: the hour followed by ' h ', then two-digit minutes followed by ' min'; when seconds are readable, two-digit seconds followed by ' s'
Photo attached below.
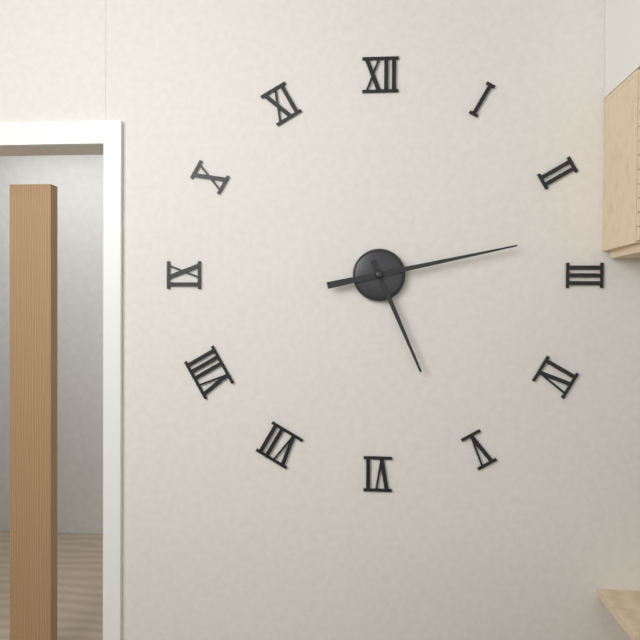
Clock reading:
5 h 13 min
